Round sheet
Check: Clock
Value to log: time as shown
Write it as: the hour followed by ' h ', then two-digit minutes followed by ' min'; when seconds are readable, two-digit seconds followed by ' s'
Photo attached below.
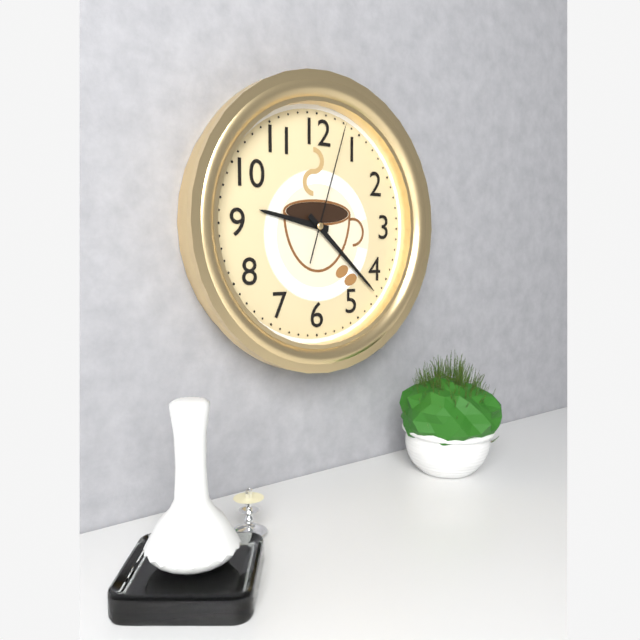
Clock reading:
9 h 22 min 03 s
